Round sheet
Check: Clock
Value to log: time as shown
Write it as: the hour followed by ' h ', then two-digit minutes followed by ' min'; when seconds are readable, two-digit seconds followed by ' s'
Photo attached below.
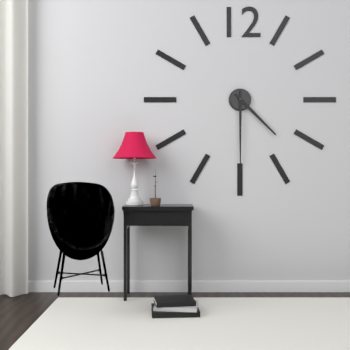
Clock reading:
4 h 30 min
